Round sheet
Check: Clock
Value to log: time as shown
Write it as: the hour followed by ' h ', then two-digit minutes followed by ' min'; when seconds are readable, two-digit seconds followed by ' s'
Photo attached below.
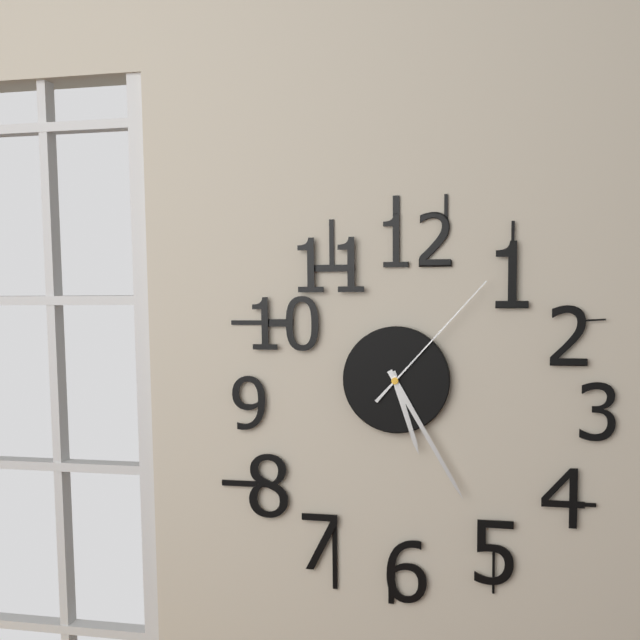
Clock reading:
5 h 25 min 07 s
